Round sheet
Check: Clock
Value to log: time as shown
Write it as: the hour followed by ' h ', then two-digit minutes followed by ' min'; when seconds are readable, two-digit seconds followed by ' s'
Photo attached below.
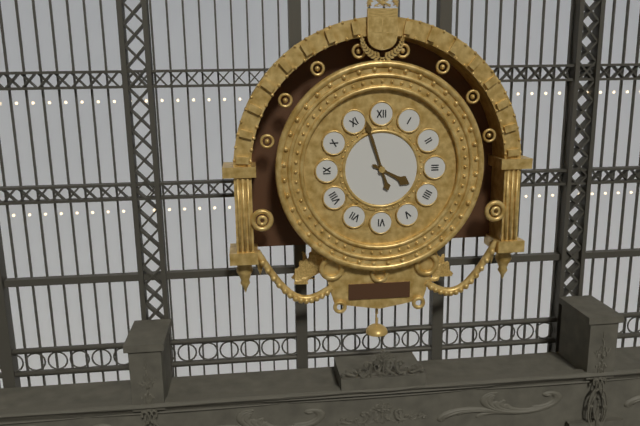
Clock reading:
3 h 57 min
